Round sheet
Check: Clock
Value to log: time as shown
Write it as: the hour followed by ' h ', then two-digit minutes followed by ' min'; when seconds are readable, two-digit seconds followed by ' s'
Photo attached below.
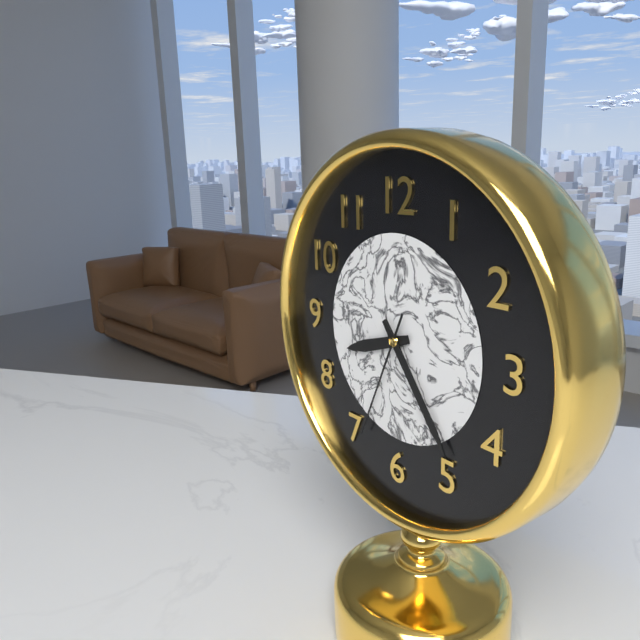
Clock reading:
8 h 24 min 34 s
